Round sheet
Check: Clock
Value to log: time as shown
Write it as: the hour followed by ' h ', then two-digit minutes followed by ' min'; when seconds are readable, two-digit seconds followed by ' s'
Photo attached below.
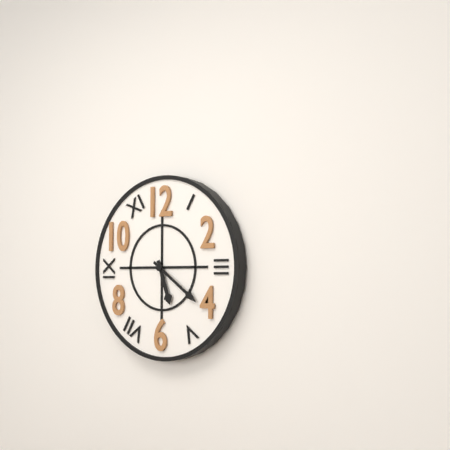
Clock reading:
5 h 21 min
